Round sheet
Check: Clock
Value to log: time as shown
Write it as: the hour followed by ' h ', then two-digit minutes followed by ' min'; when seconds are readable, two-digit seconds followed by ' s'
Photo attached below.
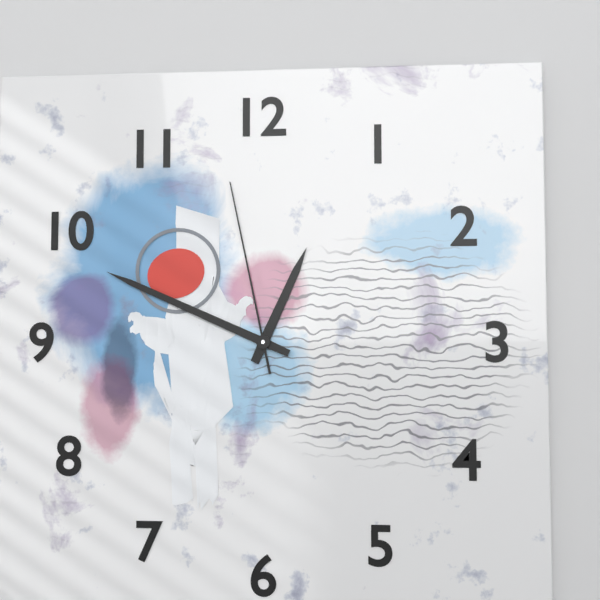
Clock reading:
12 h 49 min 58 s
